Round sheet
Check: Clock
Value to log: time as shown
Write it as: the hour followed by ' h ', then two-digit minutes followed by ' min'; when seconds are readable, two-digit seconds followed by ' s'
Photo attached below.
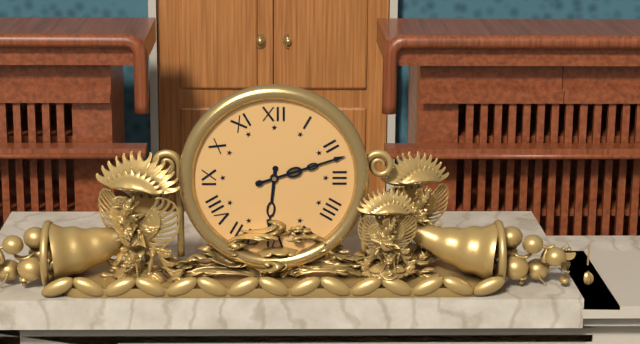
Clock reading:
6 h 12 min
